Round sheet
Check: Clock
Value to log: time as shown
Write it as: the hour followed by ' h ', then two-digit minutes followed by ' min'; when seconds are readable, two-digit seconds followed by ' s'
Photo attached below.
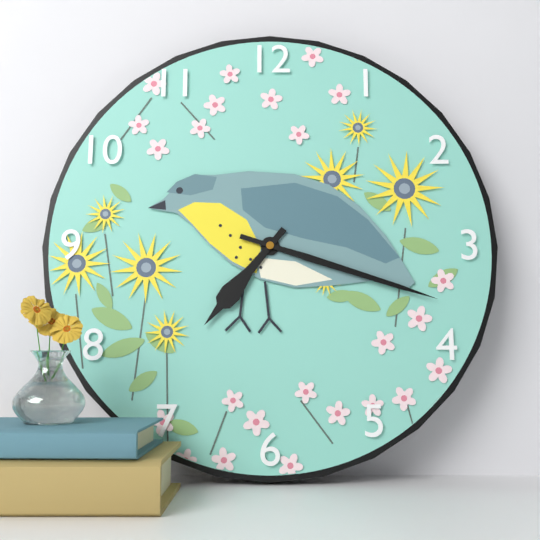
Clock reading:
7 h 18 min
